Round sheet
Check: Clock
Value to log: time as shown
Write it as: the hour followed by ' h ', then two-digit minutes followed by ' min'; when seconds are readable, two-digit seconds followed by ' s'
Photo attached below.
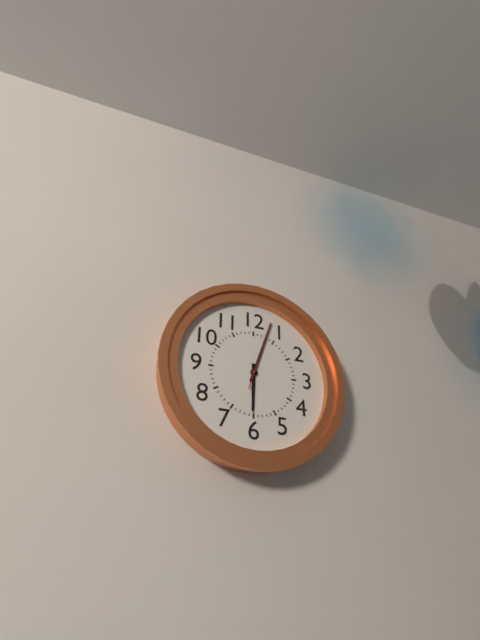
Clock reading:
6 h 03 min 03 s
